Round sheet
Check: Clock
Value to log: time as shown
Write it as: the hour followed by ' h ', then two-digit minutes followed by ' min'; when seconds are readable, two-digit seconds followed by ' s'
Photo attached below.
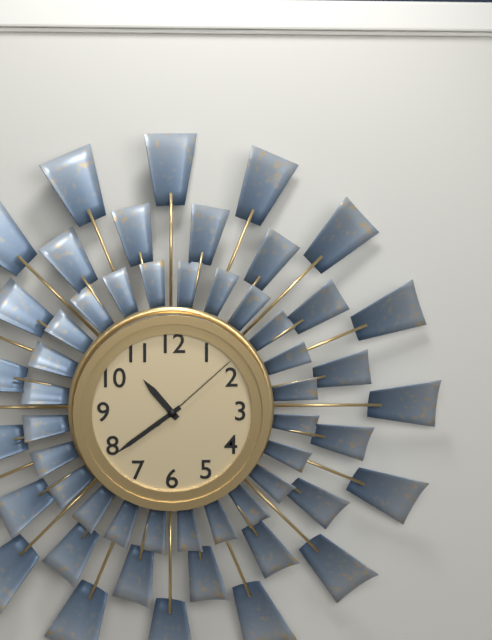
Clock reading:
10 h 39 min 08 s
